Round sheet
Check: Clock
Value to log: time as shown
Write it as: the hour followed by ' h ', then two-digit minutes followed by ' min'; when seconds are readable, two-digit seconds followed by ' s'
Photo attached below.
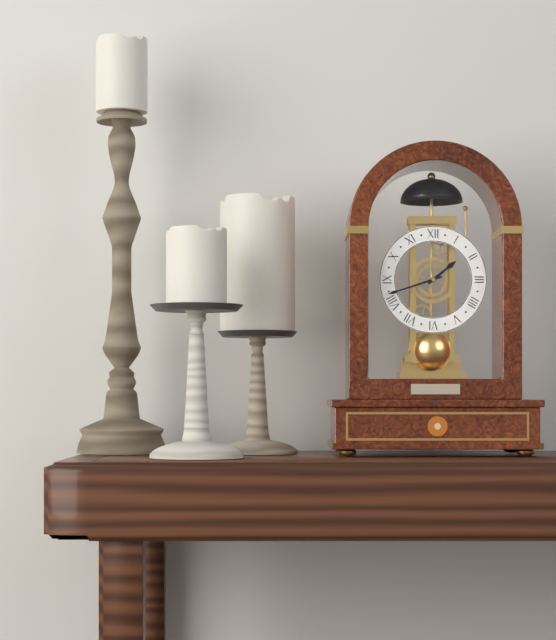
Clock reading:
1 h 42 min
